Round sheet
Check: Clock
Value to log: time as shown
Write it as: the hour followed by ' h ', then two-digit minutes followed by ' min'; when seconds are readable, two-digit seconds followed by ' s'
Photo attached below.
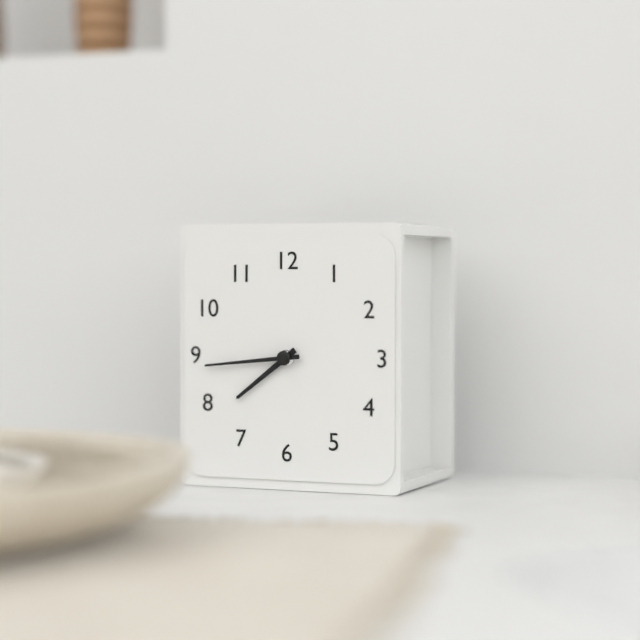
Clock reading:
7 h 44 min
